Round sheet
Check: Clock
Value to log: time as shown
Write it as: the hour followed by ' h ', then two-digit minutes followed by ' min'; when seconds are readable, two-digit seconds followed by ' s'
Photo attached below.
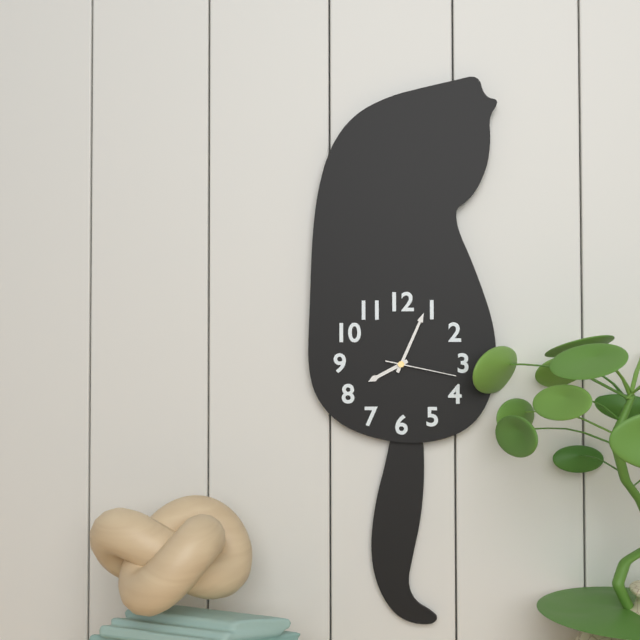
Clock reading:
8 h 04 min 17 s
